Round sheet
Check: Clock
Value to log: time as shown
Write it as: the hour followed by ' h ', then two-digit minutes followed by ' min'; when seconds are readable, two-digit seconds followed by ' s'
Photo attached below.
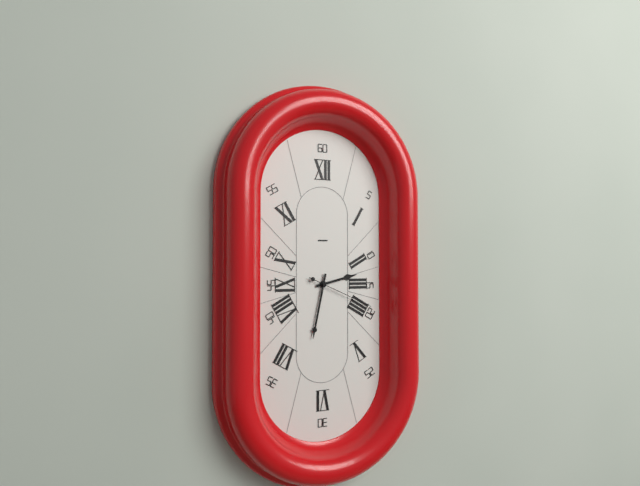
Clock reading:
2 h 32 min 19 s
